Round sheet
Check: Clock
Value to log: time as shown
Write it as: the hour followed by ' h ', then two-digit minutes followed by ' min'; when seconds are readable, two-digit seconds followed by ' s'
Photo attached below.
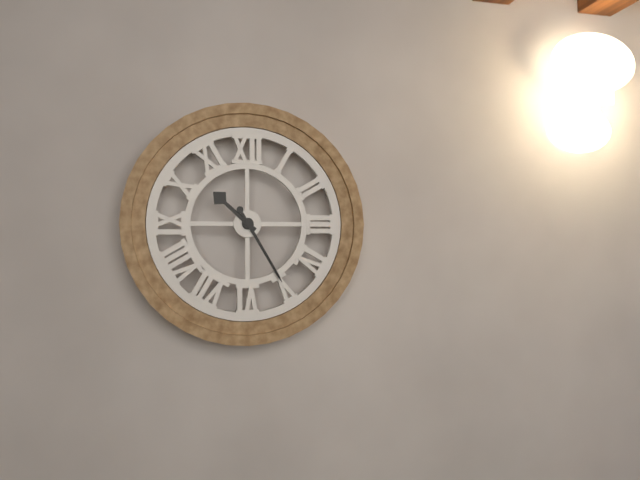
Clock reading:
10 h 25 min
